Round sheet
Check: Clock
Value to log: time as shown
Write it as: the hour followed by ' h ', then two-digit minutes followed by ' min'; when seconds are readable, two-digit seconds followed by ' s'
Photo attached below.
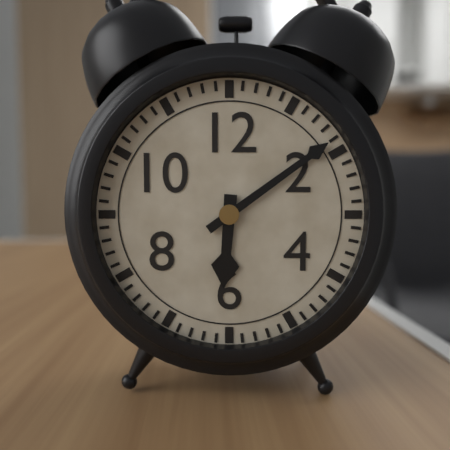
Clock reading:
6 h 09 min
